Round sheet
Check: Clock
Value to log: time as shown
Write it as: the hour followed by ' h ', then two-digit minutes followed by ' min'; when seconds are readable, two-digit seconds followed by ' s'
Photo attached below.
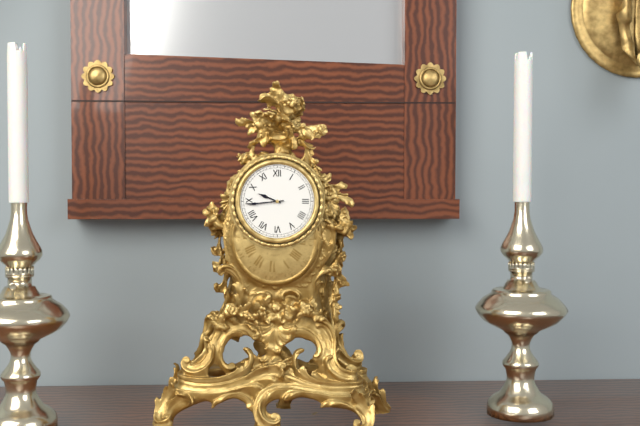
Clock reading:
9 h 44 min
